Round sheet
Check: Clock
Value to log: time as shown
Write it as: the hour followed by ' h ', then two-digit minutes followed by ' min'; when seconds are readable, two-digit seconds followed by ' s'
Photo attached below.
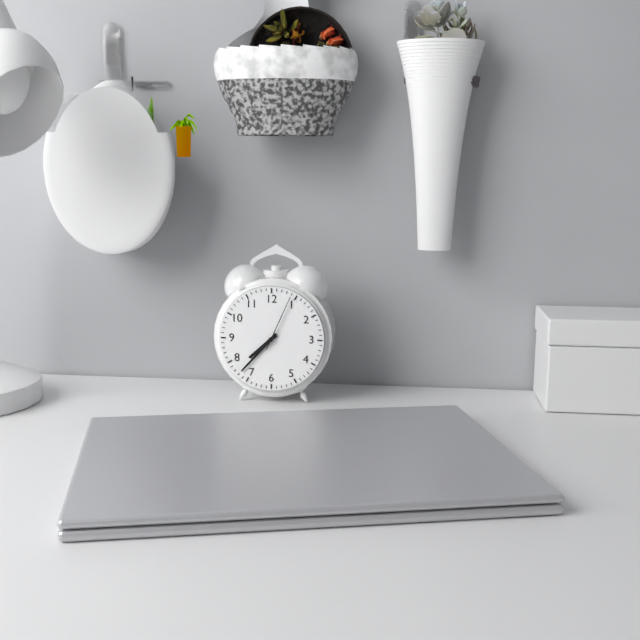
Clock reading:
7 h 37 min 04 s
